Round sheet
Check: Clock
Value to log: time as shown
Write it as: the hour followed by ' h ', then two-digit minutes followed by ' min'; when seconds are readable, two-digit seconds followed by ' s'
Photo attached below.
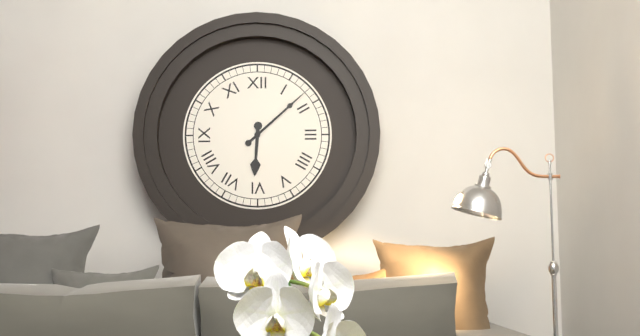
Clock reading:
6 h 08 min
